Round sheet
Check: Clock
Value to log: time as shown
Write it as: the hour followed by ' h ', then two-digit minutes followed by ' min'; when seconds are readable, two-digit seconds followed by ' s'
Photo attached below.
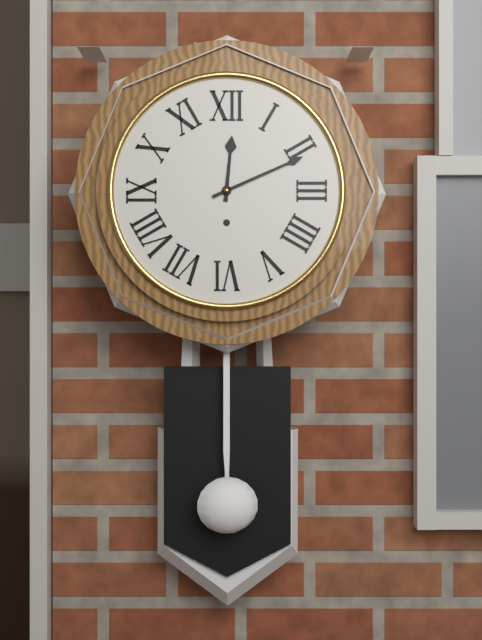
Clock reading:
12 h 11 min
